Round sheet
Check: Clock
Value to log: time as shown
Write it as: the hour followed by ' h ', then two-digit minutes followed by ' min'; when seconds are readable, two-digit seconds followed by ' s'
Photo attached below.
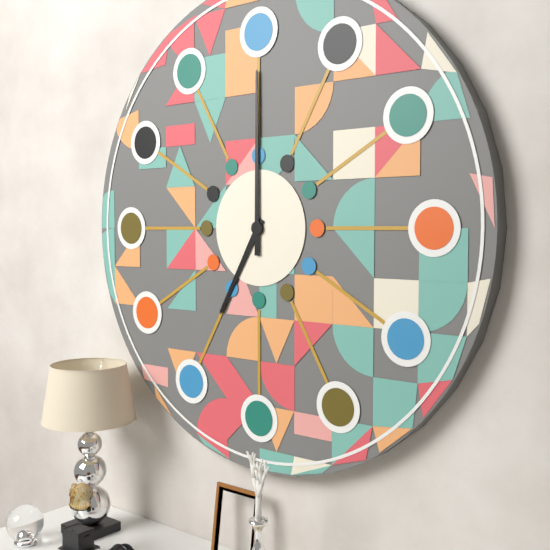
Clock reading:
7 h 00 min
